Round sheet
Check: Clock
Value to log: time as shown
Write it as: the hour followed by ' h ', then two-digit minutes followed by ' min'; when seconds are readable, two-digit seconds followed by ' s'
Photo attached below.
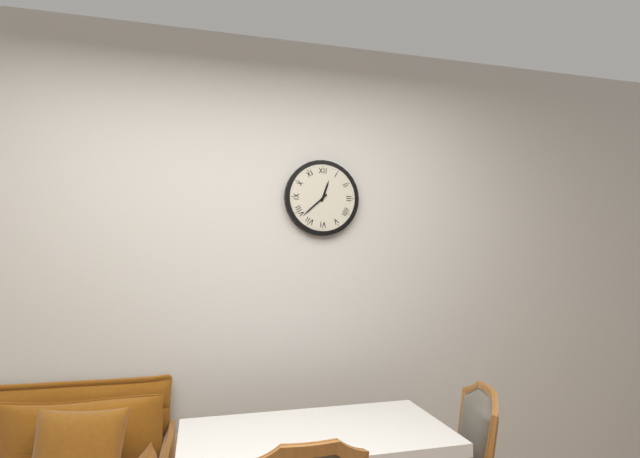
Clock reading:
12 h 38 min
